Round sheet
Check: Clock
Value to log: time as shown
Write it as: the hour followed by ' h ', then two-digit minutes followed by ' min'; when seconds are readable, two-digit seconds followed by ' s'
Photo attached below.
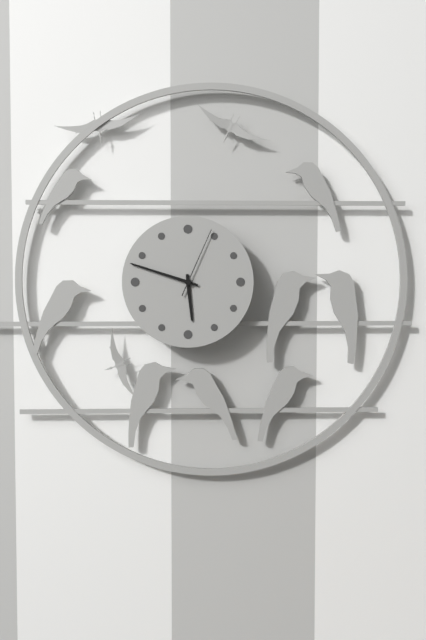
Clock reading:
5 h 48 min 04 s
